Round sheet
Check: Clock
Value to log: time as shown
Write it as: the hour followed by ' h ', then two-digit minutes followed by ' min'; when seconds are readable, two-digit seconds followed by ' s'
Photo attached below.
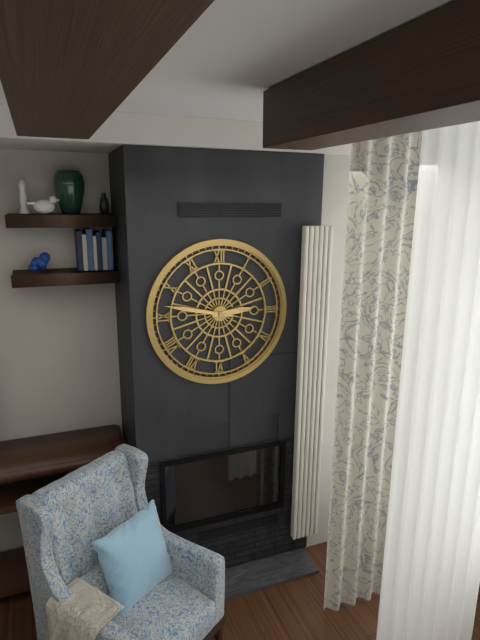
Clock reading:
2 h 47 min
